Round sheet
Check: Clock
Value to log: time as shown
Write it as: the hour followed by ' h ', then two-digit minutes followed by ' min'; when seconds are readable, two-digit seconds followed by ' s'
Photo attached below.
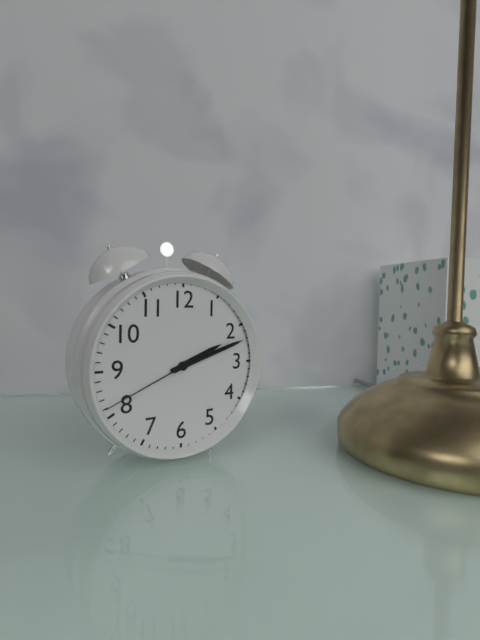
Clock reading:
2 h 12 min 41 s
